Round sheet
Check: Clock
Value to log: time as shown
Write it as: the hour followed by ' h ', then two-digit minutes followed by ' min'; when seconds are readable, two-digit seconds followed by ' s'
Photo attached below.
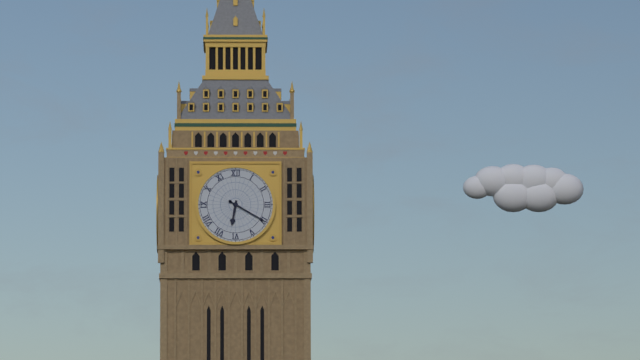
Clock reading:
6 h 20 min
